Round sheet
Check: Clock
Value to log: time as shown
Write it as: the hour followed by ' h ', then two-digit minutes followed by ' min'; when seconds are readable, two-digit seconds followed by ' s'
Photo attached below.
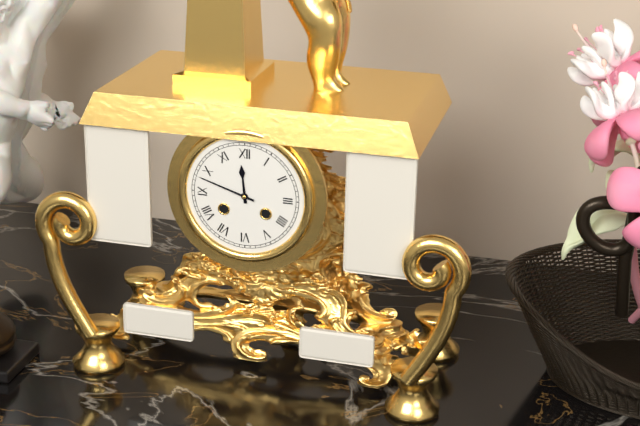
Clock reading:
11 h 48 min
